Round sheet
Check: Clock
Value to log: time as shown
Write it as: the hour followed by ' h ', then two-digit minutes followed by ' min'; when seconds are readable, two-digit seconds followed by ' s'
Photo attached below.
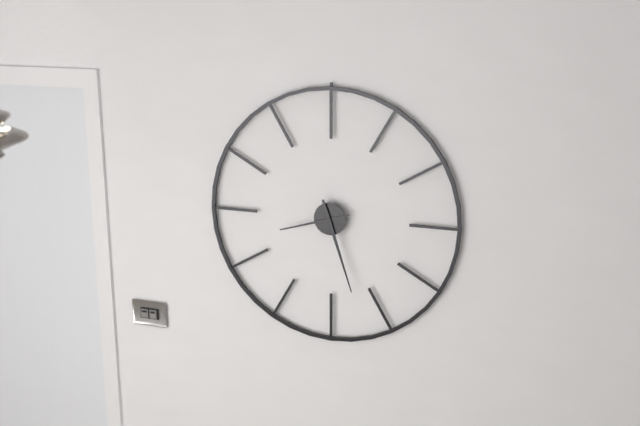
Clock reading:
8 h 27 min
